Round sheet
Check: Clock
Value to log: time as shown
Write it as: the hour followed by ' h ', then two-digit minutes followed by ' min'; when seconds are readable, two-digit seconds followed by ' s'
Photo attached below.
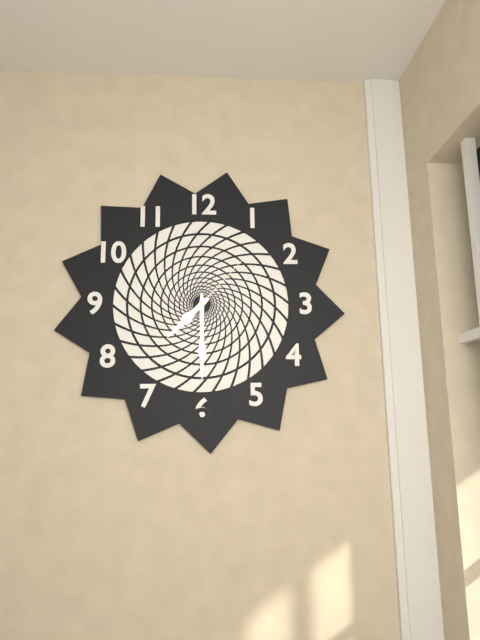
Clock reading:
7 h 30 min 07 s
